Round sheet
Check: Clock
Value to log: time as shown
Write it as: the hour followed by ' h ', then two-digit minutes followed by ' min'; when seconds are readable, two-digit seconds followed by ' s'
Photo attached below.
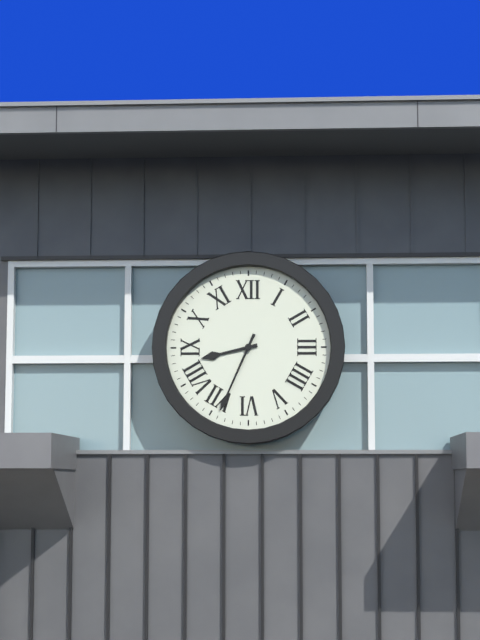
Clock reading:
8 h 34 min
